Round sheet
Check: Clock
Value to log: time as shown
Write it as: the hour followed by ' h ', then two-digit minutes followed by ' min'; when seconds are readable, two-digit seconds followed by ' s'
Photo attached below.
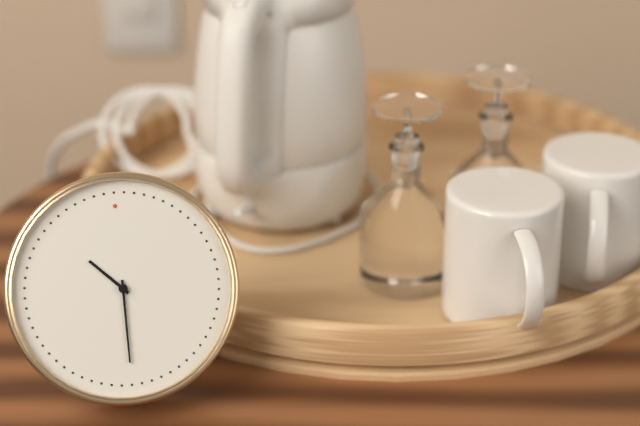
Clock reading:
10 h 30 min
